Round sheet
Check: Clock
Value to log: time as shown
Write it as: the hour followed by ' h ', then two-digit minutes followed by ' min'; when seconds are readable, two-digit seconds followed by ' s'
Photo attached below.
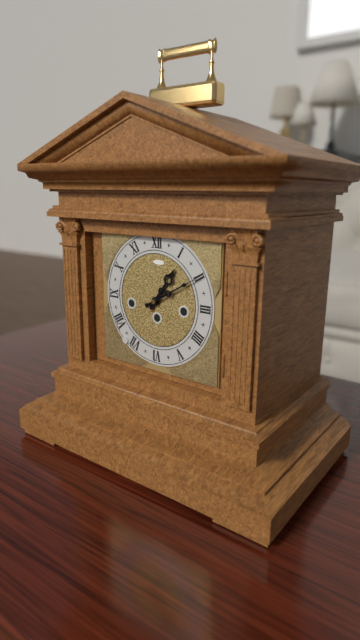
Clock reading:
1 h 10 min
